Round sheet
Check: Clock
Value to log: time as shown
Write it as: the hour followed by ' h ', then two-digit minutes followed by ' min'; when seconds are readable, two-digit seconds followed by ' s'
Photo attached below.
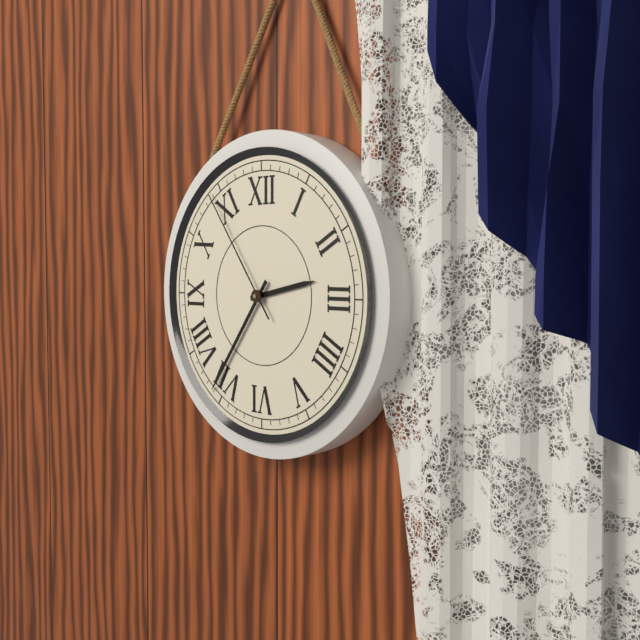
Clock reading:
2 h 36 min 54 s
